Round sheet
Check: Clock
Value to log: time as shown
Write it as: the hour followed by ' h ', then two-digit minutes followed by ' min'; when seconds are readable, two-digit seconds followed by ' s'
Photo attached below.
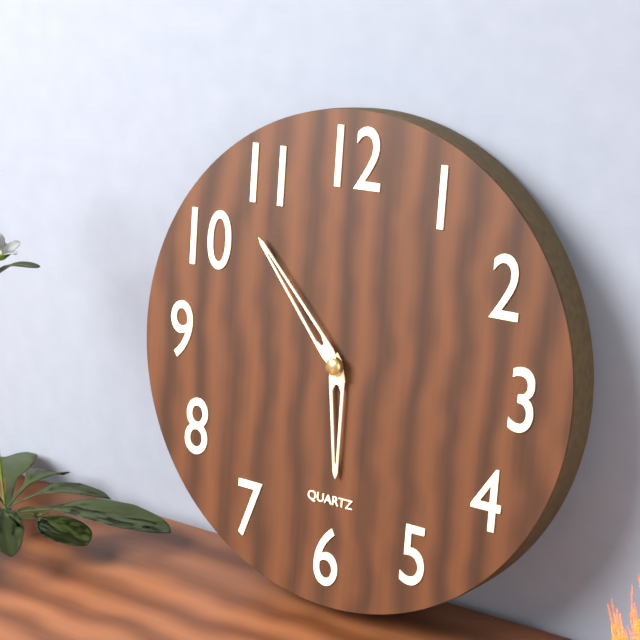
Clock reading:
5 h 53 min
